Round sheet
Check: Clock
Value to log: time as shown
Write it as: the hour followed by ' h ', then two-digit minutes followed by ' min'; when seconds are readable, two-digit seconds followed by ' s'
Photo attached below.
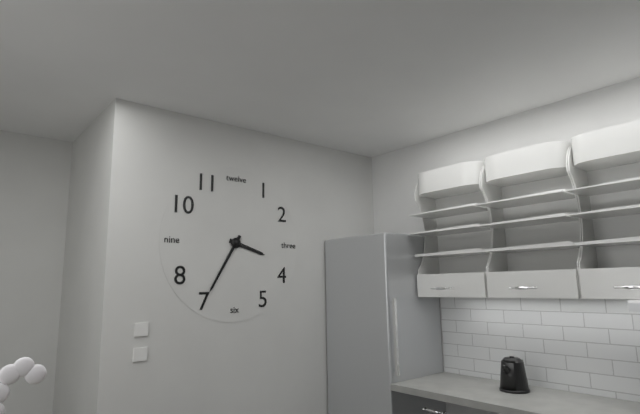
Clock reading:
3 h 35 min
